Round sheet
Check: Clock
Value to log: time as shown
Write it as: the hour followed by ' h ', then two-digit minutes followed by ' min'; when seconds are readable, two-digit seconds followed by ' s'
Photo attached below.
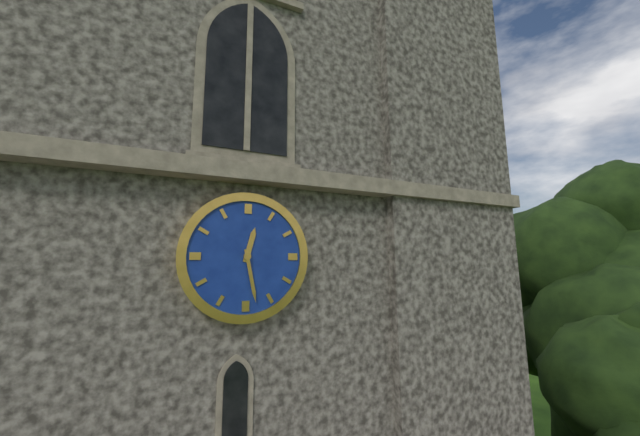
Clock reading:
12 h 28 min
